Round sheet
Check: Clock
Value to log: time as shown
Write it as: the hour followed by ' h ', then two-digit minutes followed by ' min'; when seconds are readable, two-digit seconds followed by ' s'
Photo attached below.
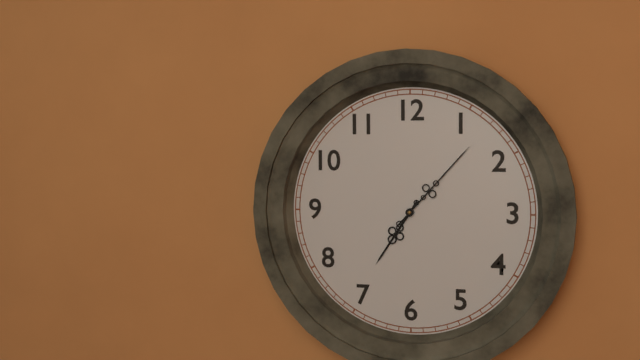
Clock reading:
7 h 07 min
